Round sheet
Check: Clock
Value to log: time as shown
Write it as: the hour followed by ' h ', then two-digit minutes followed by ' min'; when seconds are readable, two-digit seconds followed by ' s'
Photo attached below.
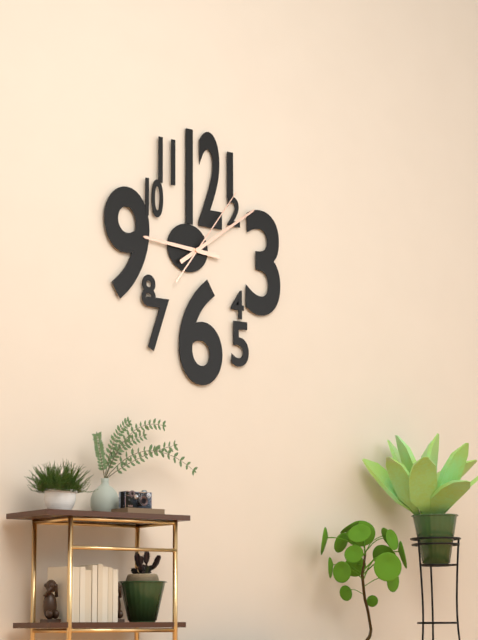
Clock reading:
9 h 09 min 06 s
